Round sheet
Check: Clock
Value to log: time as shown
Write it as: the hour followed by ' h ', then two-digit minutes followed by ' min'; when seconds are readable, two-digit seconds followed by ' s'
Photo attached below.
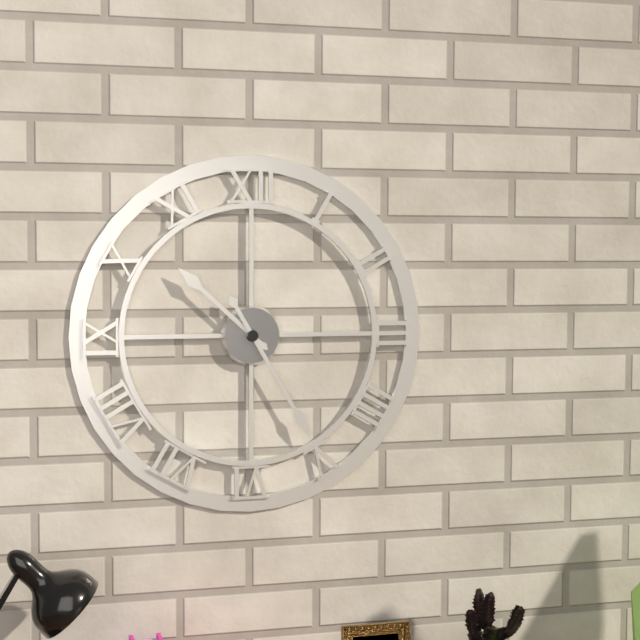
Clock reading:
10 h 25 min
